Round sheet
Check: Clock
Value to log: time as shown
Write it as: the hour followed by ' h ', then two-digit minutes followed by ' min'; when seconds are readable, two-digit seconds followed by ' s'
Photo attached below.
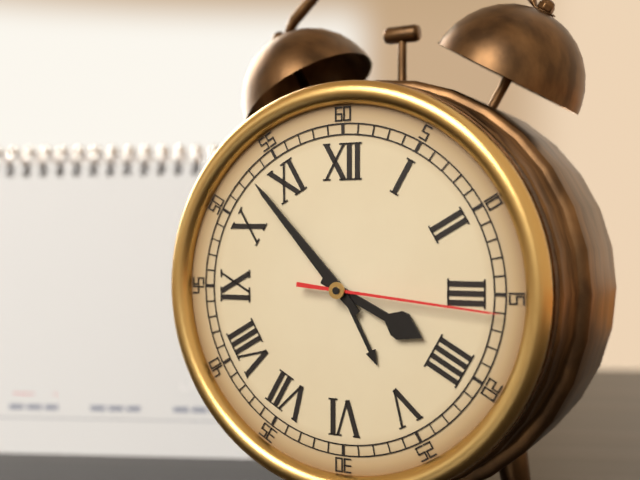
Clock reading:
3 h 53 min 16 s
